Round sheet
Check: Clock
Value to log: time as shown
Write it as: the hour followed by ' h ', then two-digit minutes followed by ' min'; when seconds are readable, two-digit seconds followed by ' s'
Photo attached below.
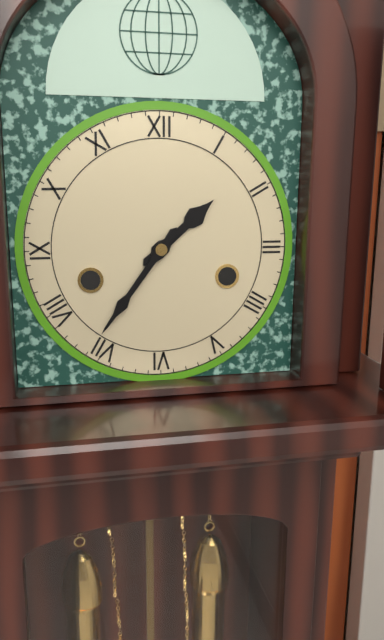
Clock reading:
1 h 36 min
